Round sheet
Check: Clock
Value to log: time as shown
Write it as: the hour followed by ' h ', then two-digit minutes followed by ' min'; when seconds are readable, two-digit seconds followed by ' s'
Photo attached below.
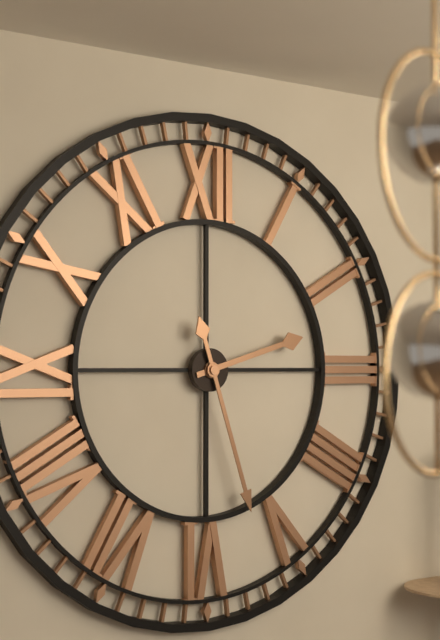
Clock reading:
2 h 27 min
